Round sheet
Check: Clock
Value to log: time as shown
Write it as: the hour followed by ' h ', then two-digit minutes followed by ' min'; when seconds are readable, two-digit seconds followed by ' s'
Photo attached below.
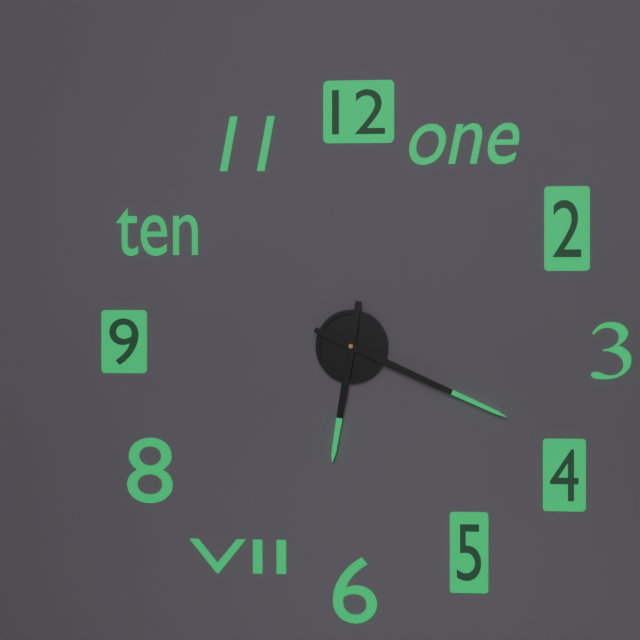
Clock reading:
6 h 19 min
